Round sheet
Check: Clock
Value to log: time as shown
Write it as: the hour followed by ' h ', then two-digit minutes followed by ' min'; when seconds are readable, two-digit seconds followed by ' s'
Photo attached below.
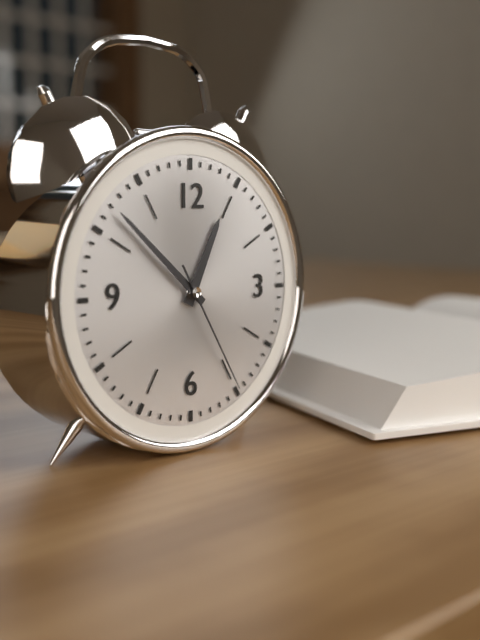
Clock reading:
12 h 52 min 25 s
